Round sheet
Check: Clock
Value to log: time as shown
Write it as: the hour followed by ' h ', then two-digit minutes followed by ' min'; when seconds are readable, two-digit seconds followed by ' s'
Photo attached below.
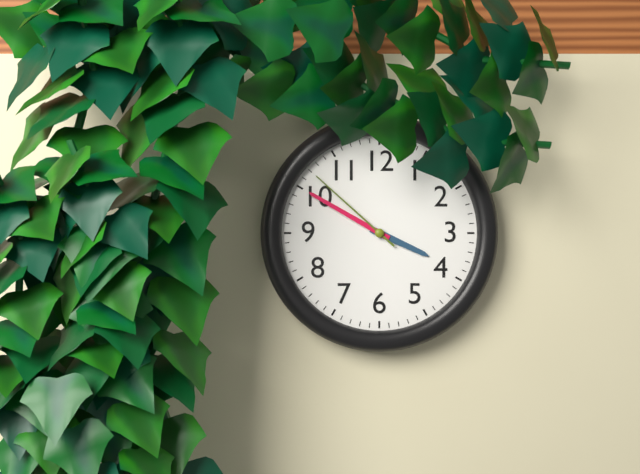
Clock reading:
3 h 50 min 52 s
